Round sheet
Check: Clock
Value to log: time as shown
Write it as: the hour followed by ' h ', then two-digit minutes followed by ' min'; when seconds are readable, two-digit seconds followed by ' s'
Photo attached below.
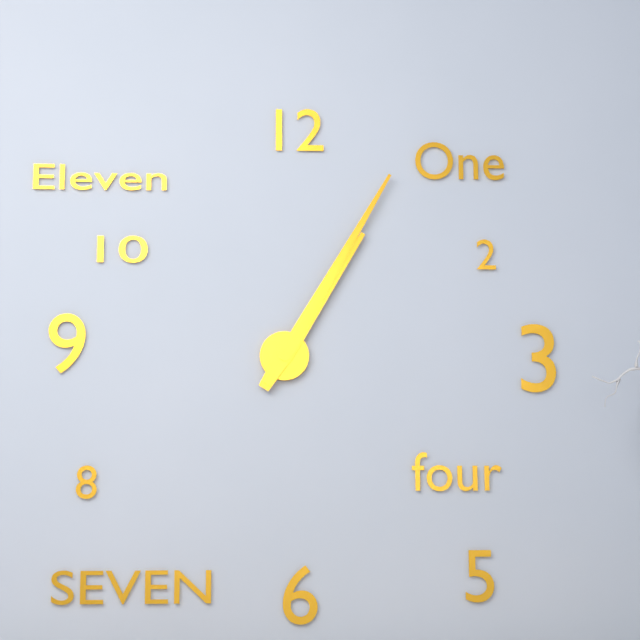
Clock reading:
1 h 05 min
